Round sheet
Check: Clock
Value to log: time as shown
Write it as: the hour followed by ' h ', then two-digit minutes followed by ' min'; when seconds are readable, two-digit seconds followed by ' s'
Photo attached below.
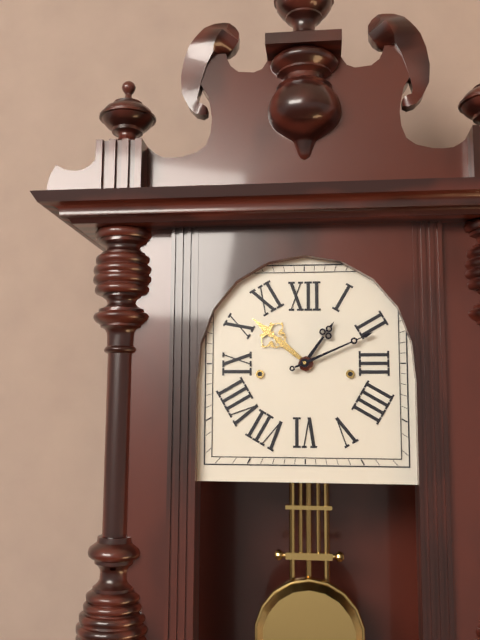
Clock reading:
1 h 11 min
